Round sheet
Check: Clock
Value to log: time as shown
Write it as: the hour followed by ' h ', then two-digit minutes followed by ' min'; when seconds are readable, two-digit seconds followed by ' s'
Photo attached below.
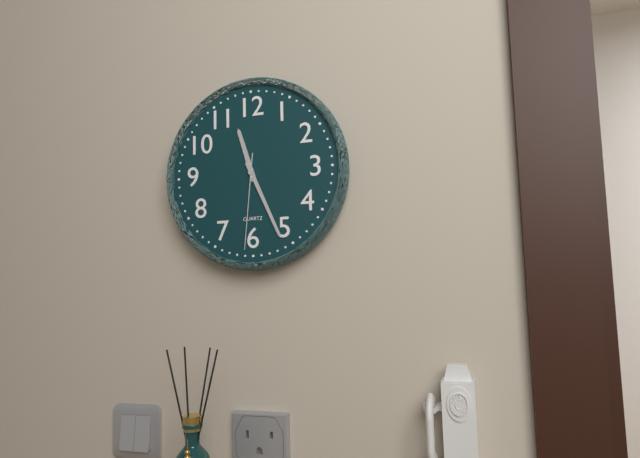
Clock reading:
11 h 26 min 31 s
